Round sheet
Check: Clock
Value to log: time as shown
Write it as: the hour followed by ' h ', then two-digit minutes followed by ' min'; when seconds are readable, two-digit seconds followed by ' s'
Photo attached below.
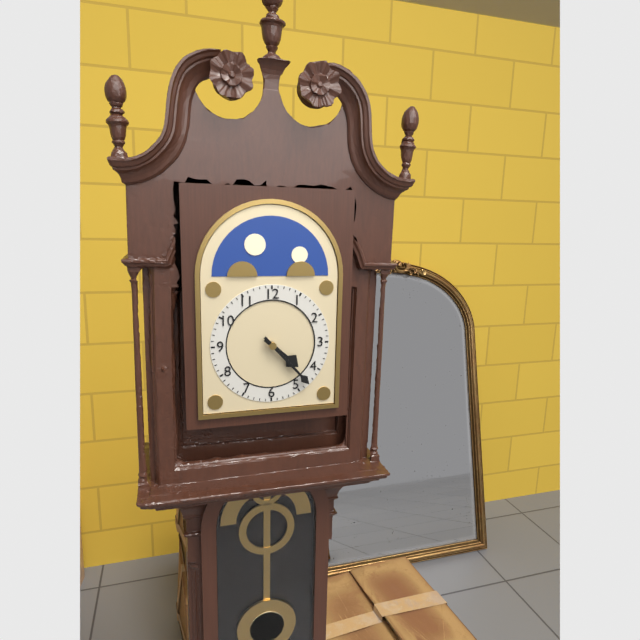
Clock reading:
4 h 23 min
